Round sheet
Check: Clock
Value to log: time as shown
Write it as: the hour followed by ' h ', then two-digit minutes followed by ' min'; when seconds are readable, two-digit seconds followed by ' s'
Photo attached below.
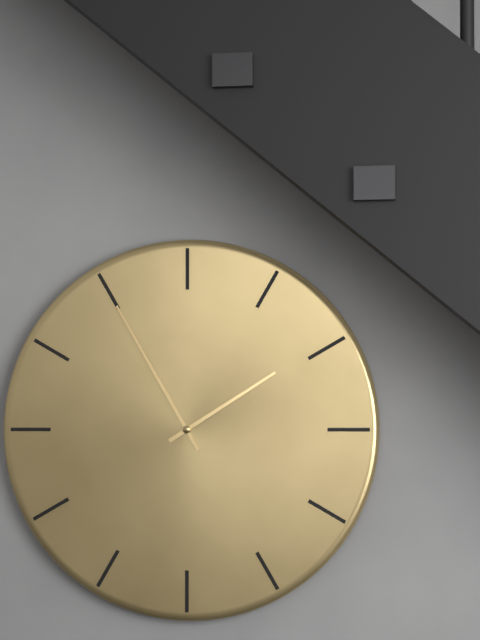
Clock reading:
1 h 55 min
